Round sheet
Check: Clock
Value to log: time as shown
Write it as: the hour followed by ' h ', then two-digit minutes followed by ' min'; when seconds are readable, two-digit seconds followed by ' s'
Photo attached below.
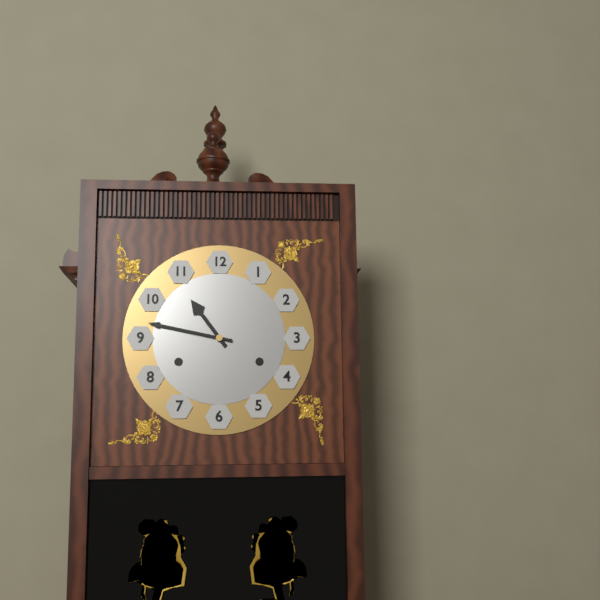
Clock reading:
10 h 47 min
